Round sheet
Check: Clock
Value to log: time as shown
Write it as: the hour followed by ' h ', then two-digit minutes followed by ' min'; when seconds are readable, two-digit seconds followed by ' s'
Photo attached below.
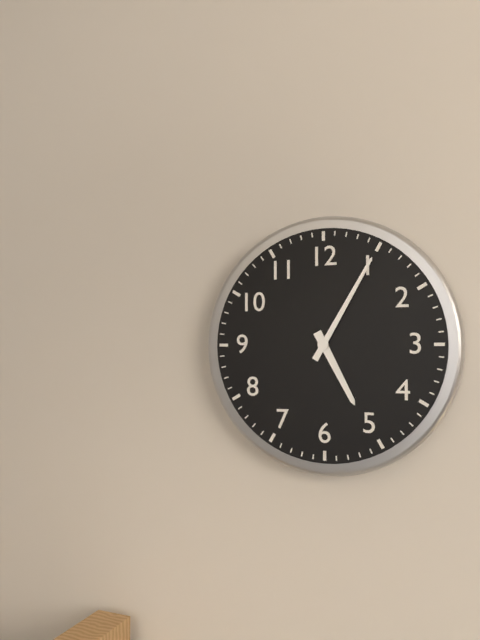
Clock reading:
5 h 05 min
